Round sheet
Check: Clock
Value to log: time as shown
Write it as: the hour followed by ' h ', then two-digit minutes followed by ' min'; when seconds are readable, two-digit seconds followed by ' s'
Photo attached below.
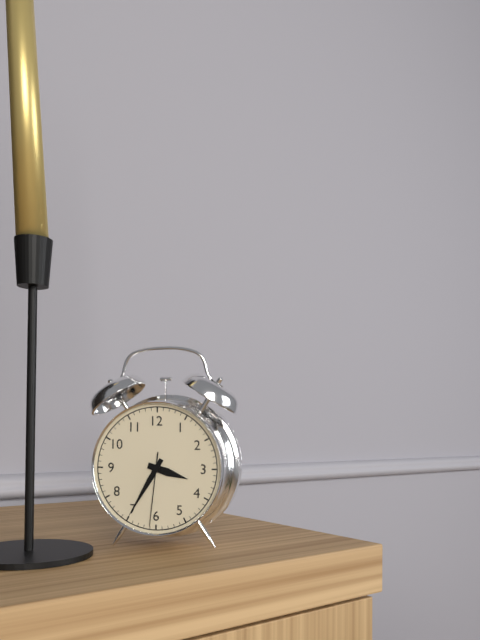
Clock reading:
3 h 35 min 31 s
